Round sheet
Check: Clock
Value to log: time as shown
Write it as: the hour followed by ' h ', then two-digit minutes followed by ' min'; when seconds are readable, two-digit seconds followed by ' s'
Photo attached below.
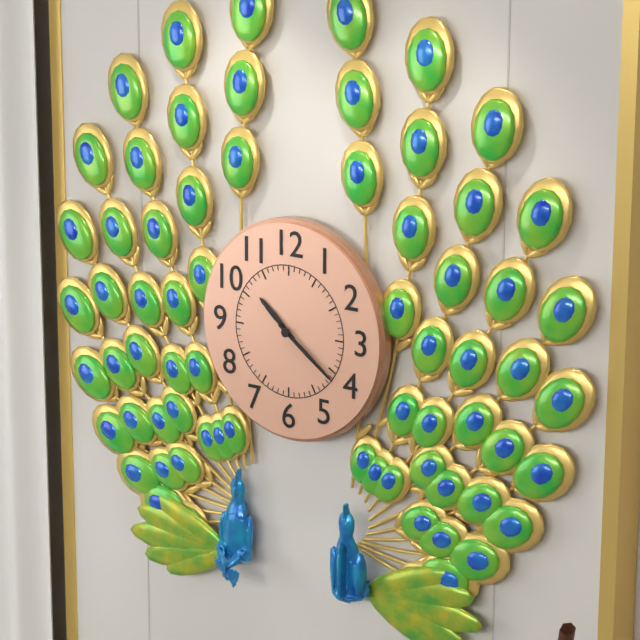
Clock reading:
10 h 21 min
